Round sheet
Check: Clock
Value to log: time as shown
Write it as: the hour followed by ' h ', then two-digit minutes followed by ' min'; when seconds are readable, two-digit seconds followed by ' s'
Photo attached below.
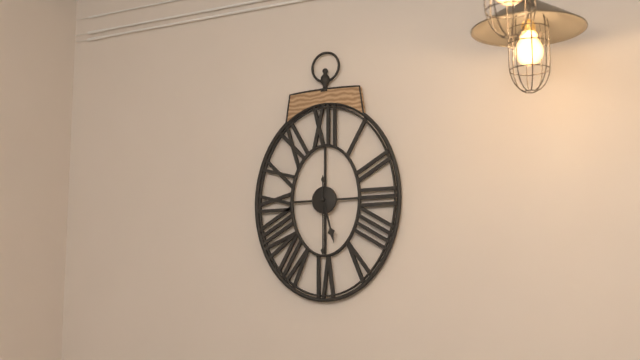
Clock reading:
5 h 30 min
